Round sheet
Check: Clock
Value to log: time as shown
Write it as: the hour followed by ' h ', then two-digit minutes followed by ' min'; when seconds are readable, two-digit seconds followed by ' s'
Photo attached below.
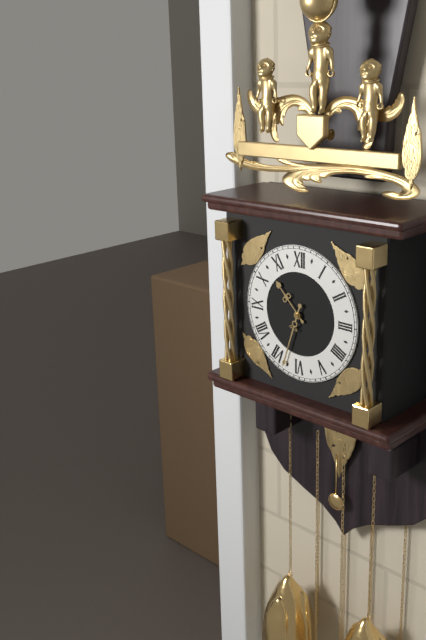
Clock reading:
10 h 33 min
